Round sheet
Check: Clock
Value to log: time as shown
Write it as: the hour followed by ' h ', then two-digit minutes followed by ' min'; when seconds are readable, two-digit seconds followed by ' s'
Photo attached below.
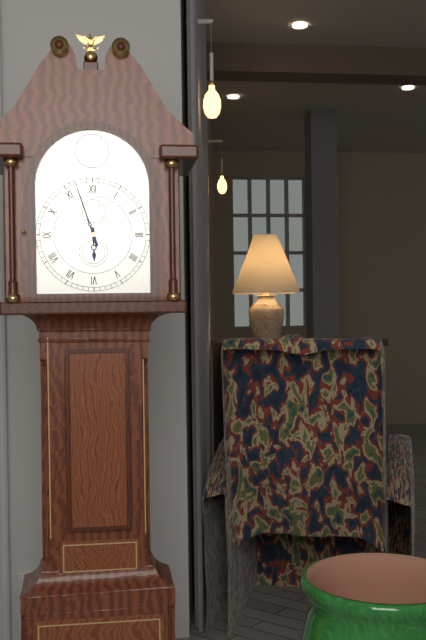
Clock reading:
5 h 57 min
